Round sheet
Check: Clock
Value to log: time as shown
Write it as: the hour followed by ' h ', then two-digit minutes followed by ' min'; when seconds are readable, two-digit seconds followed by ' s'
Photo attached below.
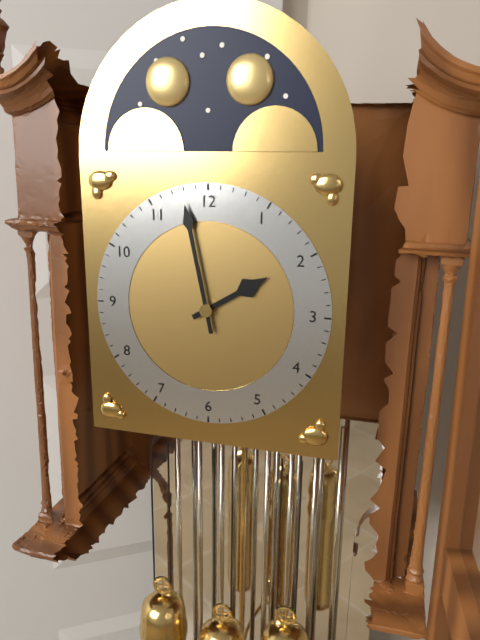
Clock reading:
1 h 58 min
